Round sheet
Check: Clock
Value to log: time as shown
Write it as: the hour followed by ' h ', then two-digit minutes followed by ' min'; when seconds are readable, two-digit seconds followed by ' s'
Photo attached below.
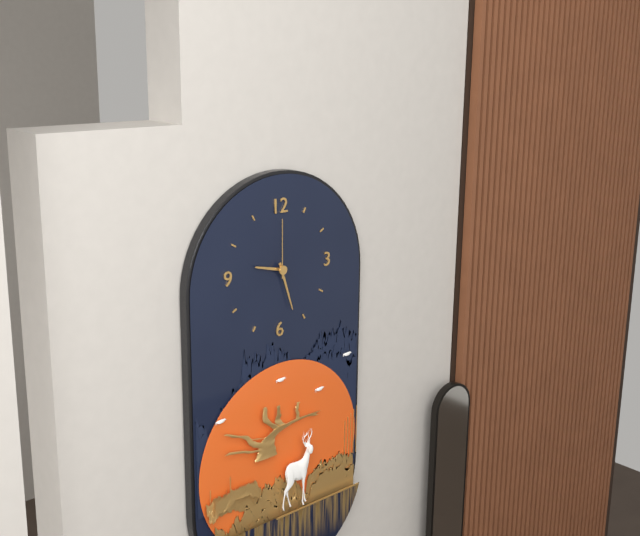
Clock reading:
9 h 27 min 00 s
